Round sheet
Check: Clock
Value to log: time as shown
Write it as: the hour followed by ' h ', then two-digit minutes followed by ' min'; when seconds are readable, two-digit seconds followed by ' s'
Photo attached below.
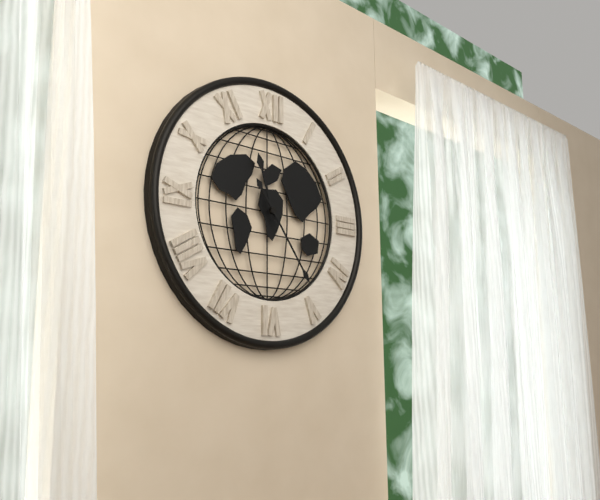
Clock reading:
11 h 24 min
